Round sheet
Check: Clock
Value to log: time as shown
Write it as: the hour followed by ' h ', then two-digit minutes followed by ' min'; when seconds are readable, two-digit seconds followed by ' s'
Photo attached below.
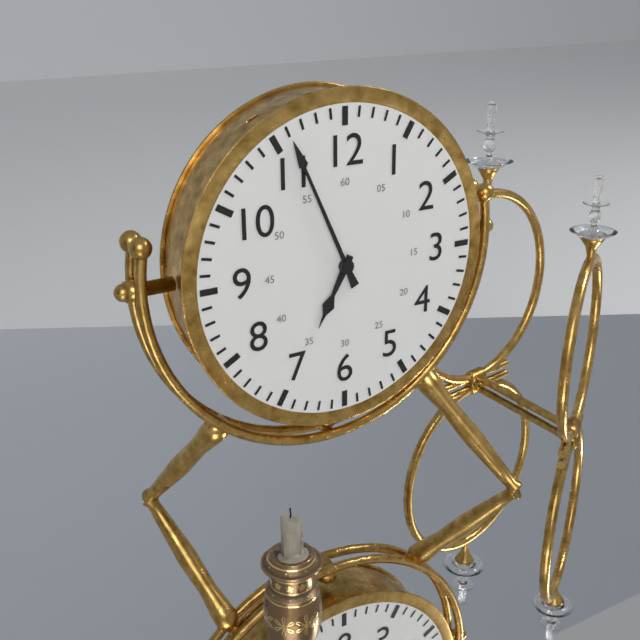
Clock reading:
6 h 56 min
